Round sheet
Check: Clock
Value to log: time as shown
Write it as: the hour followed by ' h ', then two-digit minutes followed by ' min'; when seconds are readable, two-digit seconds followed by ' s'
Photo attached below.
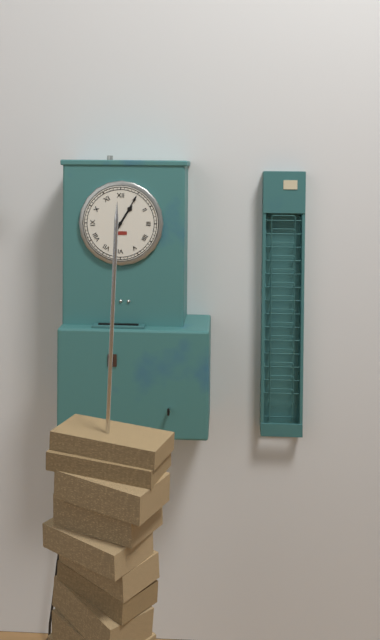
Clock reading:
1 h 05 min
